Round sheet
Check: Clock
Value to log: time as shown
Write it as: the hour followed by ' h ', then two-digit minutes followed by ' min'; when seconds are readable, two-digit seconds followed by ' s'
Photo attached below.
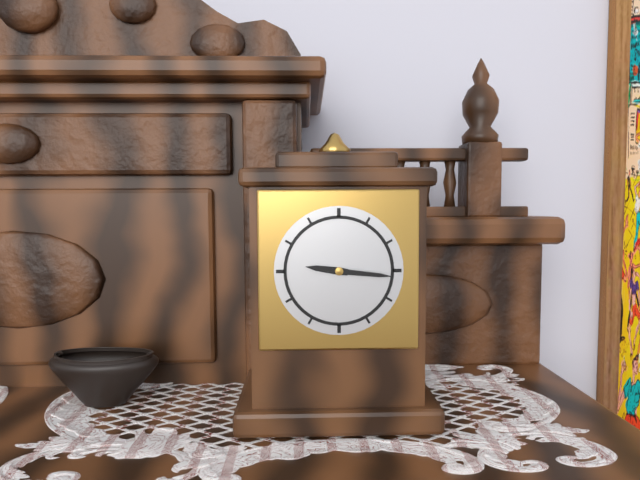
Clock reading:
9 h 16 min
